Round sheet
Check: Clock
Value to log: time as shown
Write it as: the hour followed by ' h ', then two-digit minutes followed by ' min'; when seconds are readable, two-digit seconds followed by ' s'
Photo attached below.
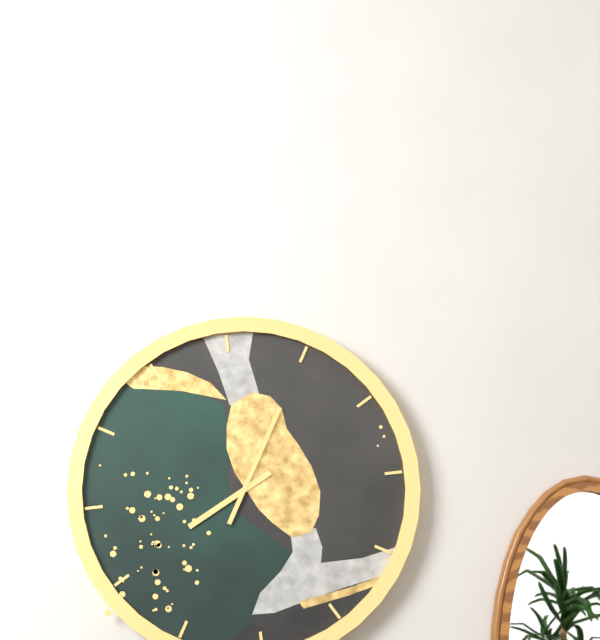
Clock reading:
8 h 05 min
